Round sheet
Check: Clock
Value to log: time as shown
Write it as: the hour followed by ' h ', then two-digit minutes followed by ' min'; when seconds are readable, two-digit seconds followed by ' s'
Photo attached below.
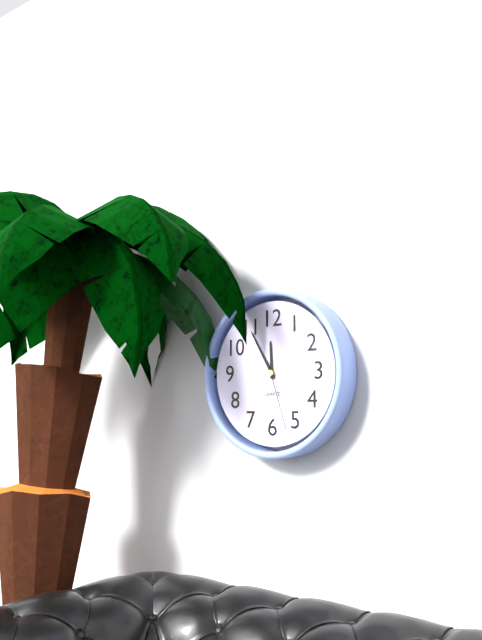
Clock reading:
11 h 55 min 27 s
